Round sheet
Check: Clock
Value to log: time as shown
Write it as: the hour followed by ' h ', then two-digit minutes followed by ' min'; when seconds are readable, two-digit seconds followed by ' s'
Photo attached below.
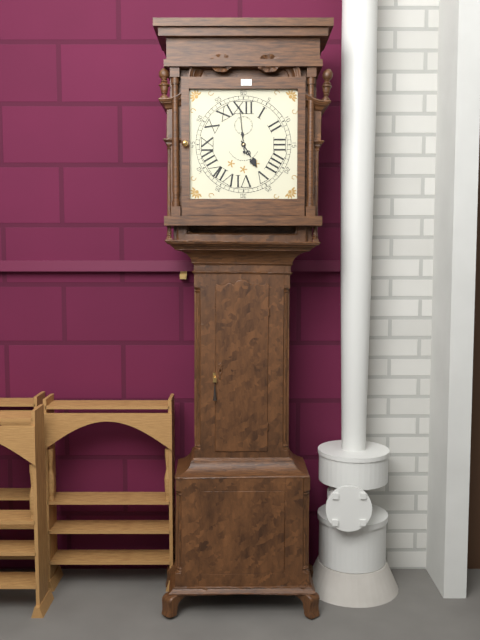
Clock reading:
4 h 59 min
